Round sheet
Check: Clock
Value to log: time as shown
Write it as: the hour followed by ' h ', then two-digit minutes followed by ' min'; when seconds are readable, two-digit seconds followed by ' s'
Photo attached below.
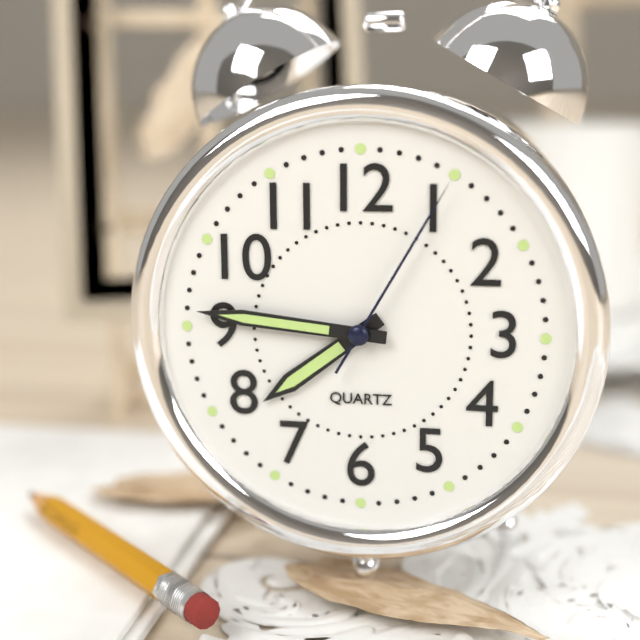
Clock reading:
7 h 46 min 05 s
